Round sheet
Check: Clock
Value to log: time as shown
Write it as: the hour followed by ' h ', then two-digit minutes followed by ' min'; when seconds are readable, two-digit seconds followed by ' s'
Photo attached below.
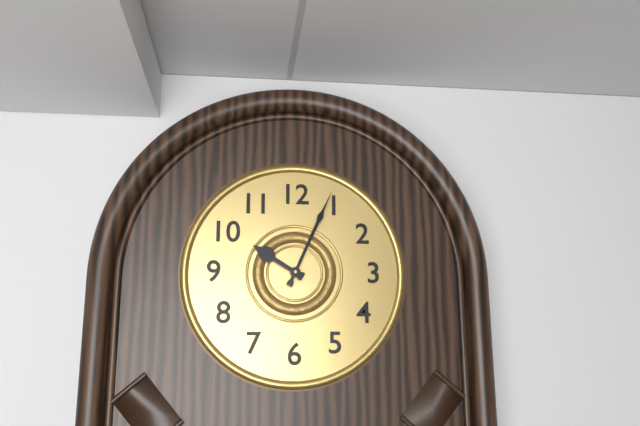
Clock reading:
10 h 04 min
